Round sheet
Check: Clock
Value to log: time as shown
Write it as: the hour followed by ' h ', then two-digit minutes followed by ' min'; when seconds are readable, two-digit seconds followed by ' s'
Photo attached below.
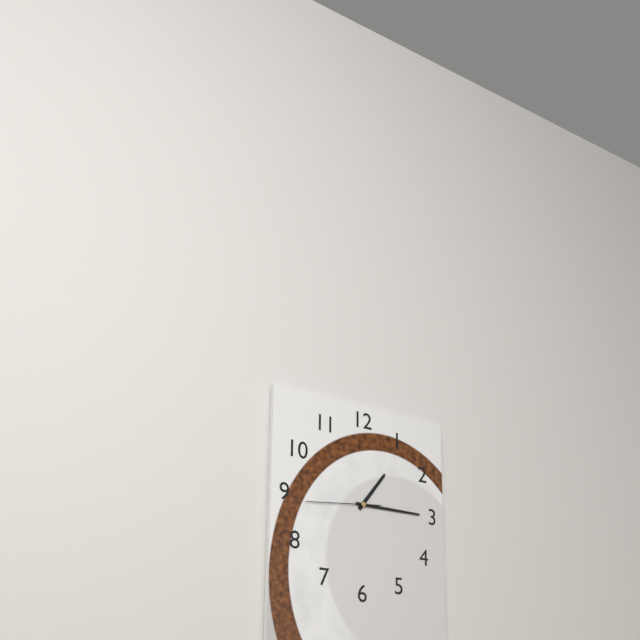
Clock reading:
1 h 15 min 44 s
